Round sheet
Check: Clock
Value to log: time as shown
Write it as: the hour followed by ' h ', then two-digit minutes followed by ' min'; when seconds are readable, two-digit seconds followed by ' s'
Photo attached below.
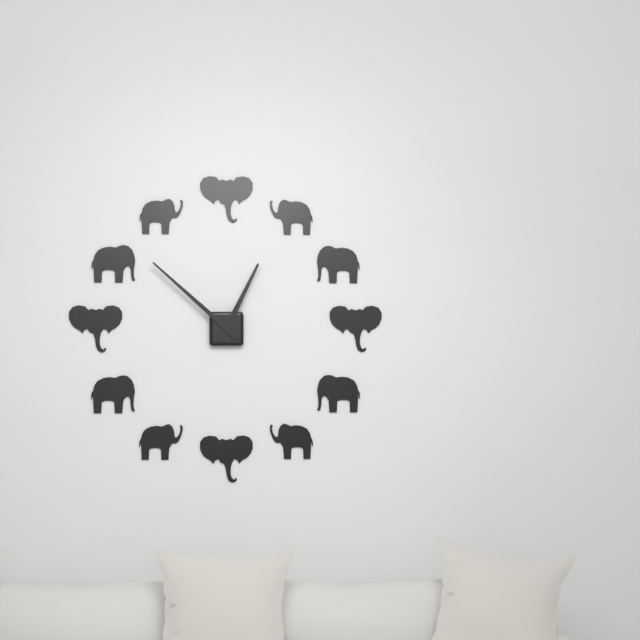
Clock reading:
12 h 52 min
